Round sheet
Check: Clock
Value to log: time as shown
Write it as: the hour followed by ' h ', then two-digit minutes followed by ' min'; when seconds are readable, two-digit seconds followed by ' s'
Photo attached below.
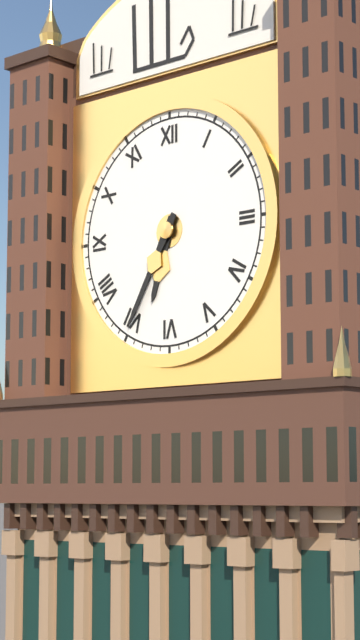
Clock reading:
6 h 35 min
